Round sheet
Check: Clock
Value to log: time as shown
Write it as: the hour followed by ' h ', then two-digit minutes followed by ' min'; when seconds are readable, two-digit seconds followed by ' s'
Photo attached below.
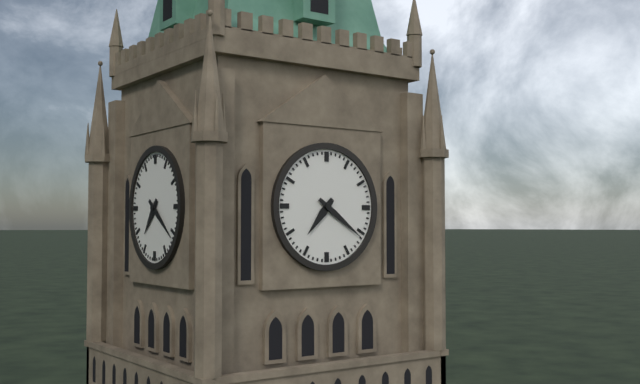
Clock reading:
7 h 21 min
